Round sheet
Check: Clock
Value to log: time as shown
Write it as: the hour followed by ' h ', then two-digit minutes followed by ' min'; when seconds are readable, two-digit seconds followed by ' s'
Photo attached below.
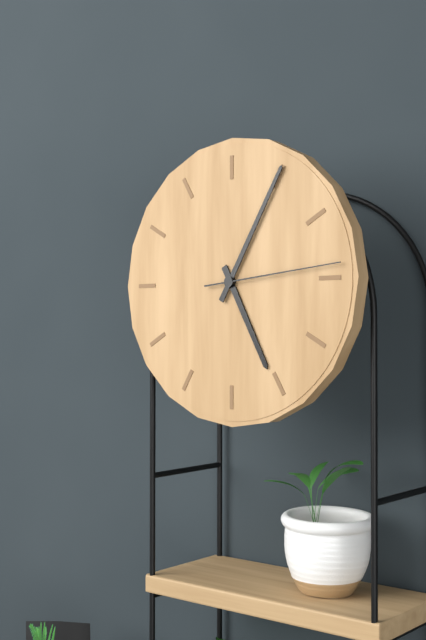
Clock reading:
5 h 05 min 14 s
